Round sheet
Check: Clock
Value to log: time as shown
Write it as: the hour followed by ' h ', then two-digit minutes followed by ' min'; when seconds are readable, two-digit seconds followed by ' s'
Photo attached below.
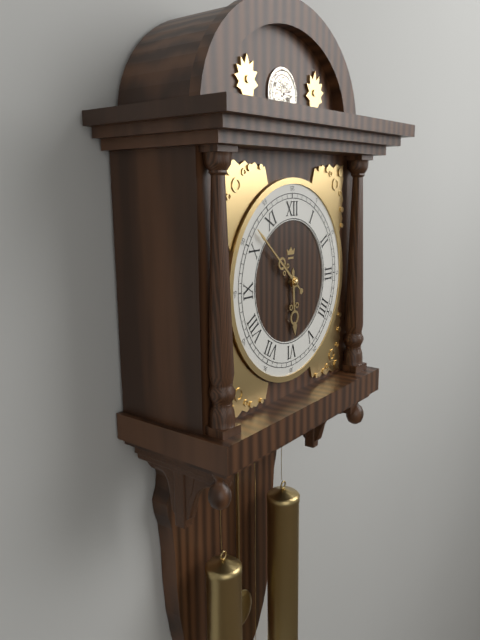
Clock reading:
5 h 52 min
